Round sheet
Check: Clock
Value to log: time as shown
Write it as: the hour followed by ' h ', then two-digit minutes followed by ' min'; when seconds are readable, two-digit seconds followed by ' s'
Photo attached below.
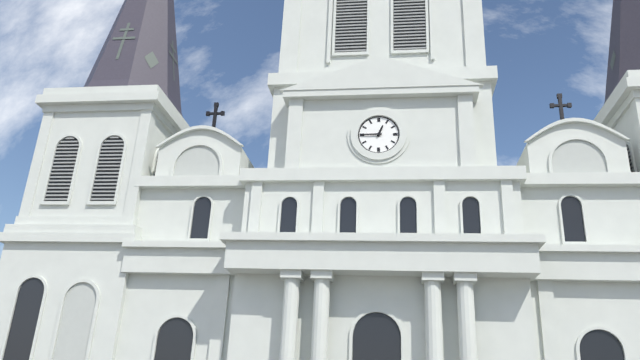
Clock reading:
12 h 45 min
